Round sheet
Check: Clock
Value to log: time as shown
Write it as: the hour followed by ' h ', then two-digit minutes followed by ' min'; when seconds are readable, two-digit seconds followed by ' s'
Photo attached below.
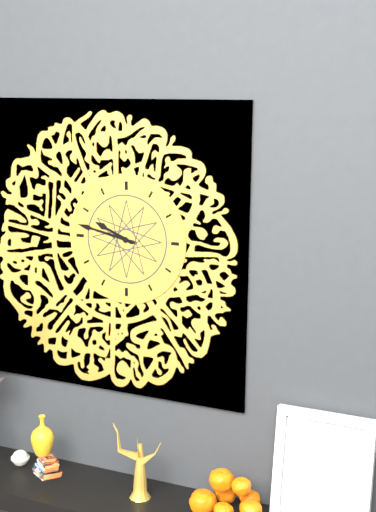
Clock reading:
9 h 47 min
